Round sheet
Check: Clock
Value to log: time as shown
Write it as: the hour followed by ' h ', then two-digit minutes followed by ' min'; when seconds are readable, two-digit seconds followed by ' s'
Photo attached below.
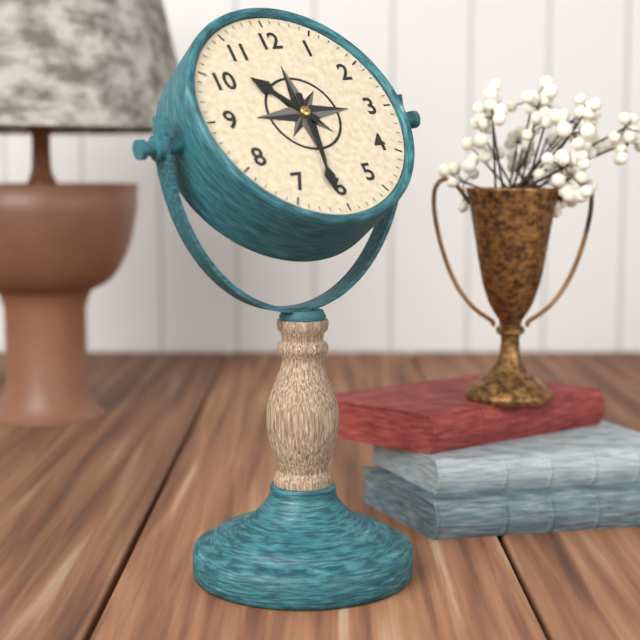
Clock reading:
10 h 31 min
